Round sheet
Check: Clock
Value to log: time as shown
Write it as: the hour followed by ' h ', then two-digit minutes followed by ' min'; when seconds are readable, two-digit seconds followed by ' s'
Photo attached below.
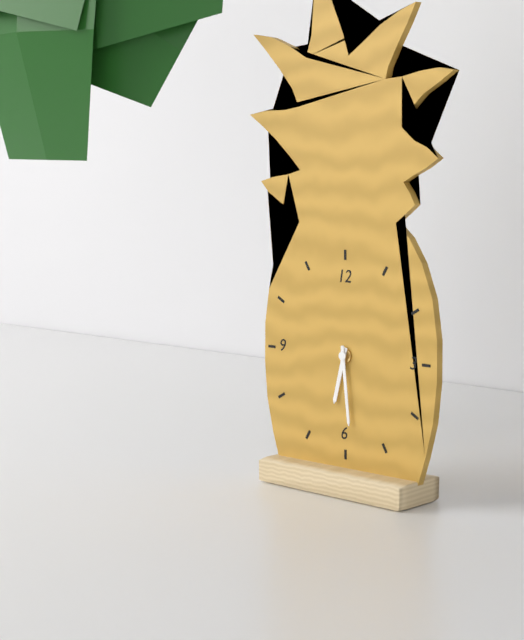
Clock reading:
6 h 29 min
